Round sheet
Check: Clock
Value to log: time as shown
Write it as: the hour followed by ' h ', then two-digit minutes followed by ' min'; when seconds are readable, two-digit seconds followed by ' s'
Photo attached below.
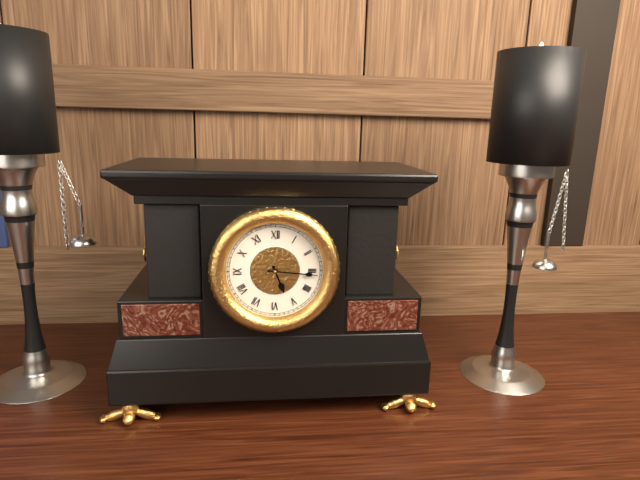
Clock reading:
5 h 16 min
